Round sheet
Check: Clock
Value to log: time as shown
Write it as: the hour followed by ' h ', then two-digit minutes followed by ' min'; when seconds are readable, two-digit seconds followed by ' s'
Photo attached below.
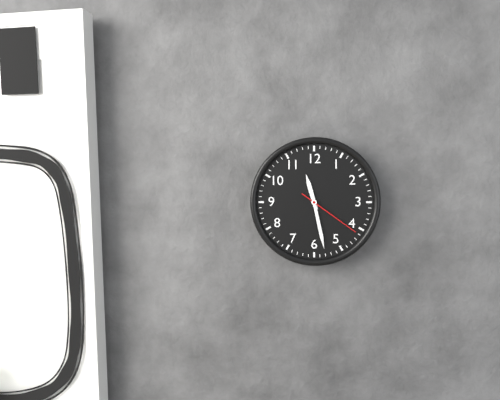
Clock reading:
11 h 28 min 21 s
